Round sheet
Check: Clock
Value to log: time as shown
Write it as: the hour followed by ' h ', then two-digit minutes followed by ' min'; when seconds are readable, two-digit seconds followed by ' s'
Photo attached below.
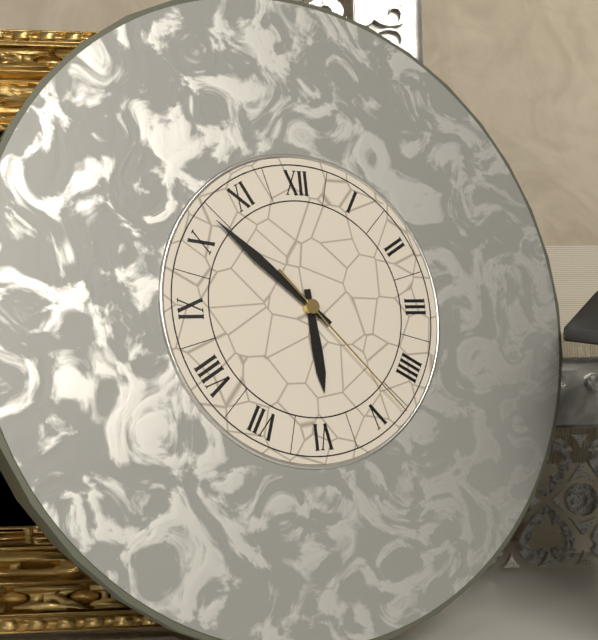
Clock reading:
5 h 52 min 23 s
